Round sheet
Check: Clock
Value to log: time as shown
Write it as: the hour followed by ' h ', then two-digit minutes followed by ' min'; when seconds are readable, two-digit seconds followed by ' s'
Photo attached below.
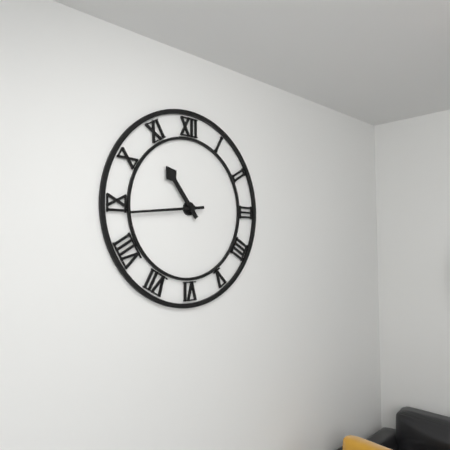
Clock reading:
10 h 44 min
